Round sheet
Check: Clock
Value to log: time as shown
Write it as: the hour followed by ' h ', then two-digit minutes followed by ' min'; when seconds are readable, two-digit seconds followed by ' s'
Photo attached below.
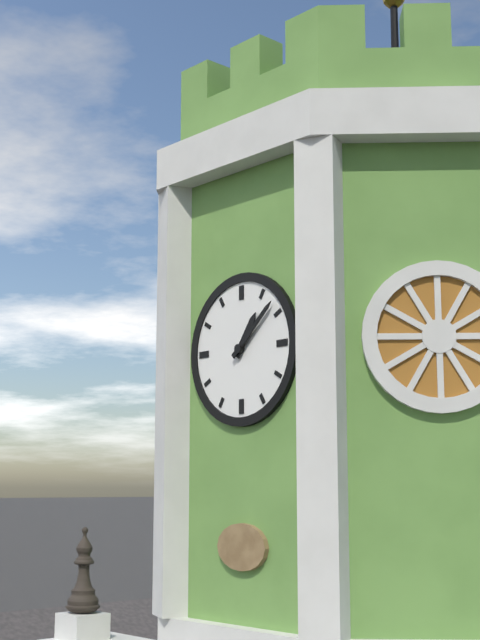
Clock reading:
1 h 08 min
